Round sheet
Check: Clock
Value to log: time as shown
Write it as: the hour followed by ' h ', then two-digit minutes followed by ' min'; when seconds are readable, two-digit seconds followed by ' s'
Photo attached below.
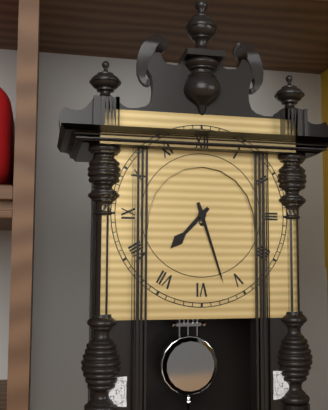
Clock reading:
7 h 27 min
